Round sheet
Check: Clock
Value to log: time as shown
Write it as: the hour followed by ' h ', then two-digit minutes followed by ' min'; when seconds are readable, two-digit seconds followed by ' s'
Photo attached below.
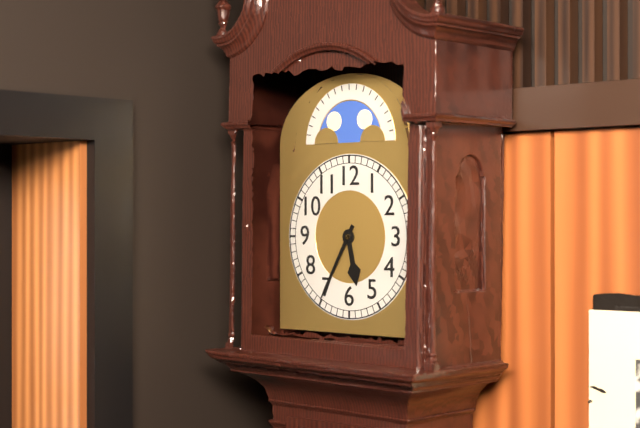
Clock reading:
5 h 35 min
